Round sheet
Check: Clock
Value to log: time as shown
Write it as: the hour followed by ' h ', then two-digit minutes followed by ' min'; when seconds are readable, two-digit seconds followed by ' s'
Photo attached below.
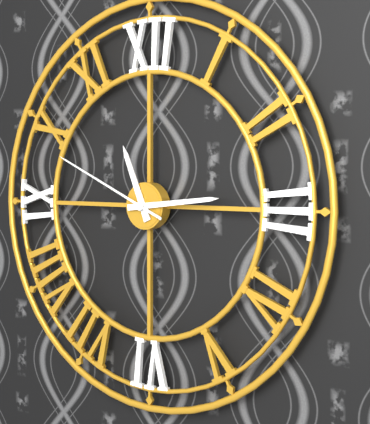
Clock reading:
11 h 14 min 49 s
